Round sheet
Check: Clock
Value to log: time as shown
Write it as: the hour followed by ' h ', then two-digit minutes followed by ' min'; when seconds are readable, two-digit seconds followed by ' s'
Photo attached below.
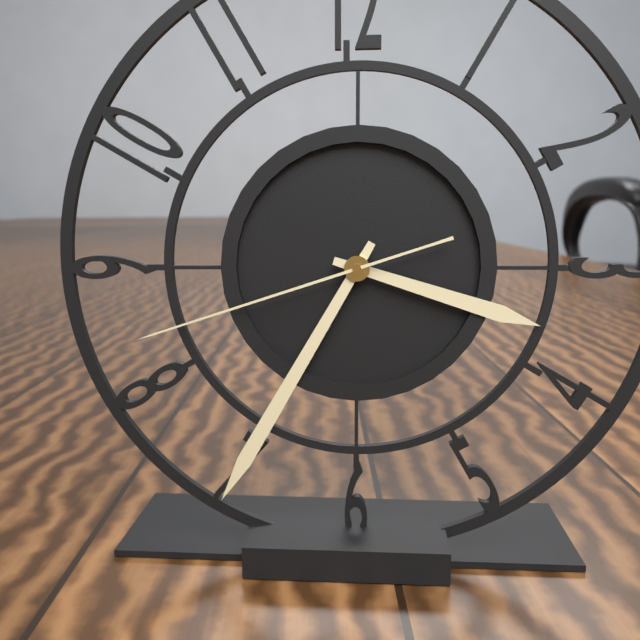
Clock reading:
3 h 35 min 42 s
